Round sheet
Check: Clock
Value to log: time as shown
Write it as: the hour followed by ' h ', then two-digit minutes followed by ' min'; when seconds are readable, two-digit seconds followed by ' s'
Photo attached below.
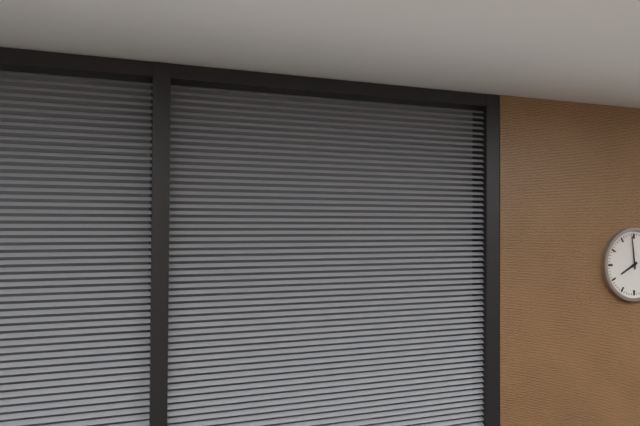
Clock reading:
7 h 59 min
